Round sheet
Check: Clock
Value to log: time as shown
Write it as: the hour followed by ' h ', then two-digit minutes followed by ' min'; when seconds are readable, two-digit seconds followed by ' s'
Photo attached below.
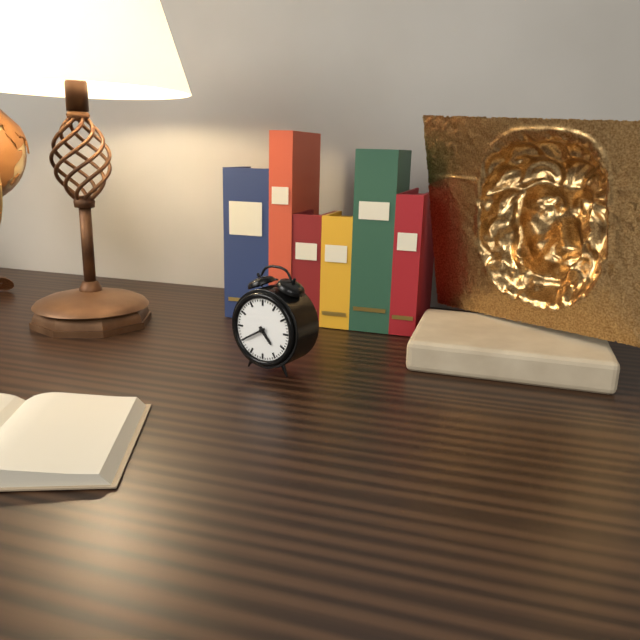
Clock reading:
4 h 40 min
